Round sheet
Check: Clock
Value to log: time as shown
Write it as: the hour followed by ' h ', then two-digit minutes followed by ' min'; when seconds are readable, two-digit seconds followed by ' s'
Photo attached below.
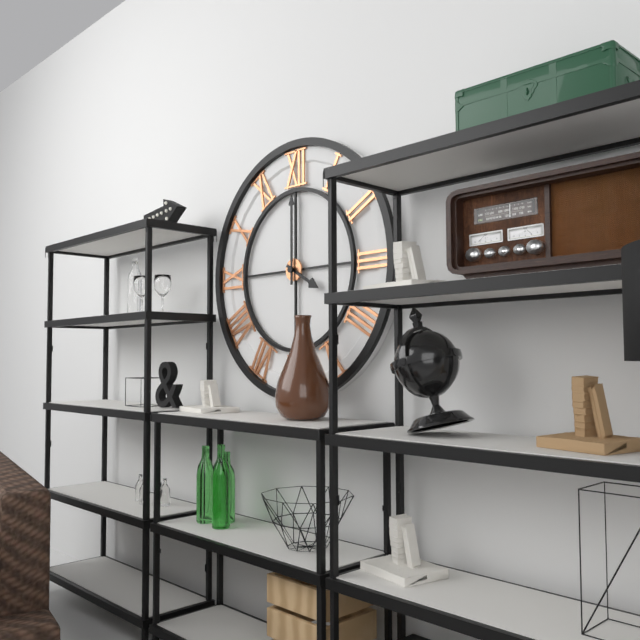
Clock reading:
4 h 00 min
